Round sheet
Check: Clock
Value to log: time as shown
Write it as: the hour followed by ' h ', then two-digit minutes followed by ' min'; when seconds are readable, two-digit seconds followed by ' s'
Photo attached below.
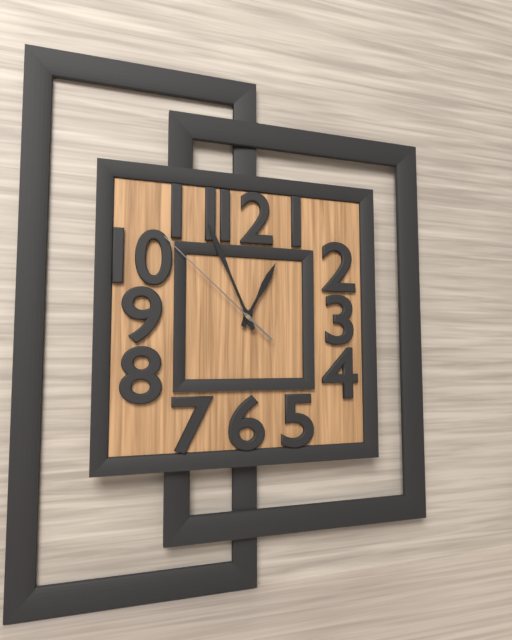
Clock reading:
12 h 56 min 52 s
